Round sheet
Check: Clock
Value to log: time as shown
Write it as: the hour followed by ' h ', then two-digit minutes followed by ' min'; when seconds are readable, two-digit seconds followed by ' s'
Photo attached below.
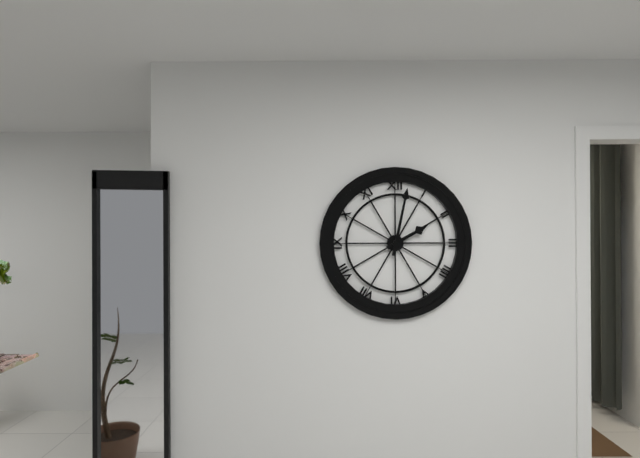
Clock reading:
2 h 02 min
